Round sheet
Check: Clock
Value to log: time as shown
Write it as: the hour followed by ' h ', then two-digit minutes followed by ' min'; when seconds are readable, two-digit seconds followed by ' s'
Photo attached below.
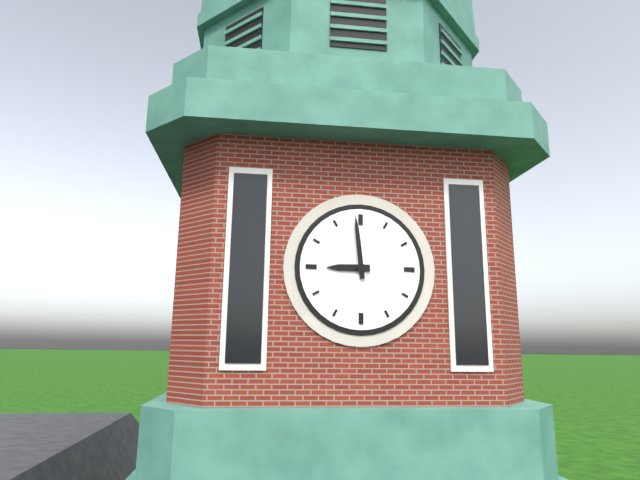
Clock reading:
8 h 59 min
